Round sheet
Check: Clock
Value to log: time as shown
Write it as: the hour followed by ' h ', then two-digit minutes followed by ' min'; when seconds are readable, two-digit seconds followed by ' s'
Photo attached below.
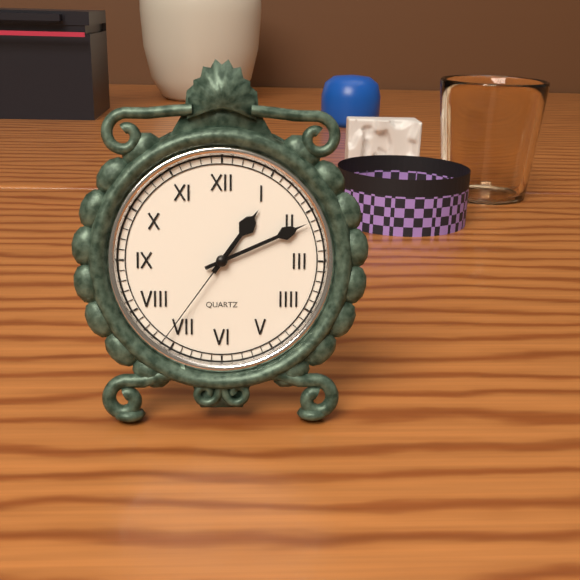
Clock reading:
1 h 11 min 36 s
